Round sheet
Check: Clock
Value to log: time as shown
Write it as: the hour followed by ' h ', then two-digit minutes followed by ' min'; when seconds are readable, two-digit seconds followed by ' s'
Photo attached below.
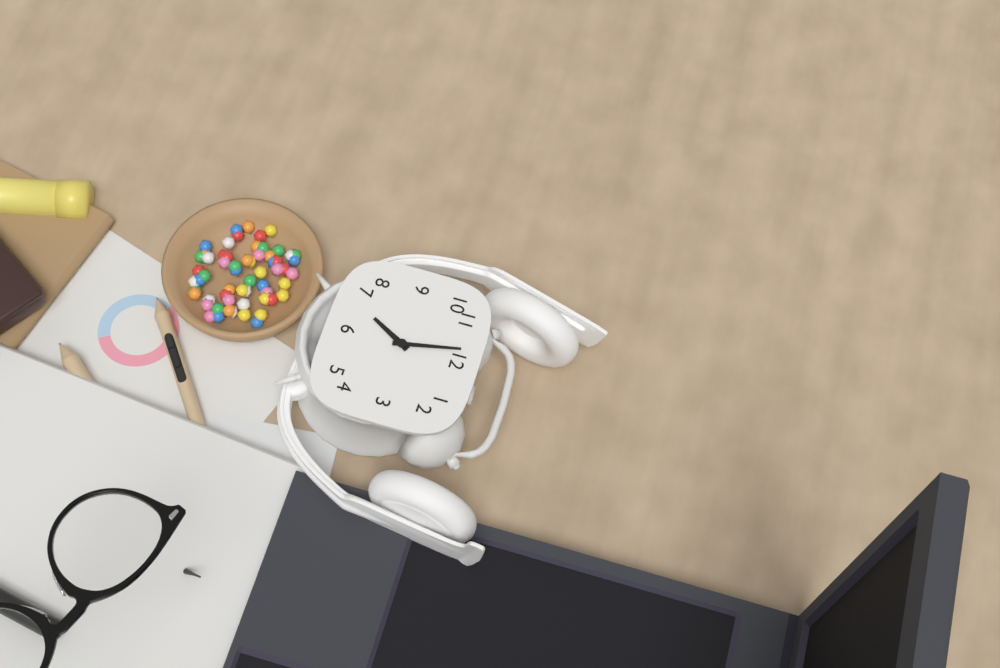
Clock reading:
6 h 58 min
